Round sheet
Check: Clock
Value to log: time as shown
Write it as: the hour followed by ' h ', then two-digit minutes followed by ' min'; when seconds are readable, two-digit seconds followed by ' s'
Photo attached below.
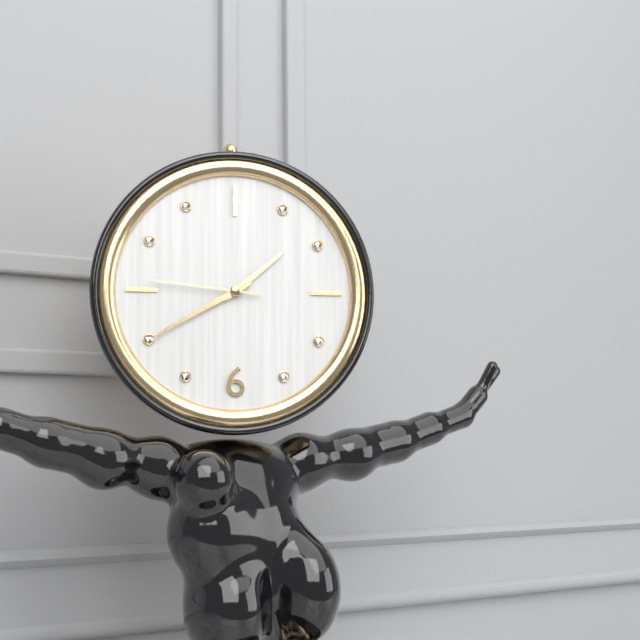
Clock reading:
1 h 40 min 46 s
